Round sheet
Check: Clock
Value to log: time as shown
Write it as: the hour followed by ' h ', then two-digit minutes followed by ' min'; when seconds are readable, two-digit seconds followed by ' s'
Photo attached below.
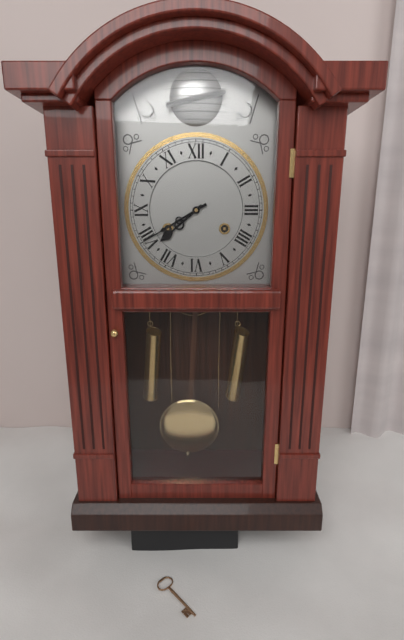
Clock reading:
7 h 40 min
